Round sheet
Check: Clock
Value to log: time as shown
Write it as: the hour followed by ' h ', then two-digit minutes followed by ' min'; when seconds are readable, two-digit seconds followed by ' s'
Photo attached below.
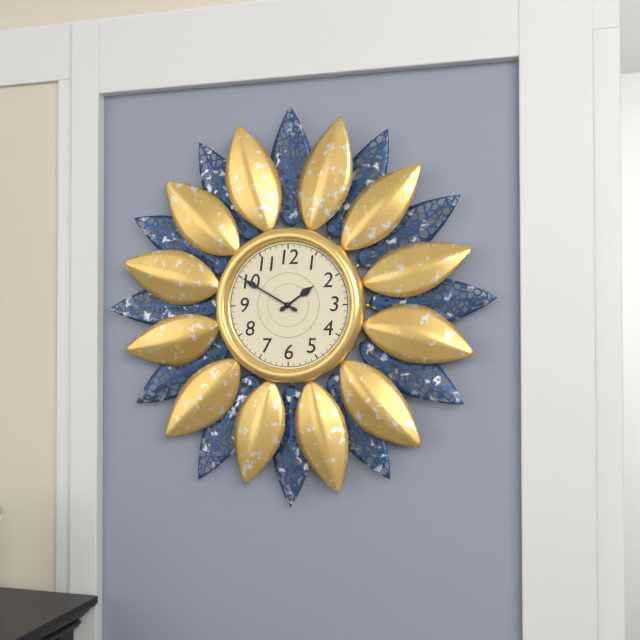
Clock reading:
1 h 50 min
